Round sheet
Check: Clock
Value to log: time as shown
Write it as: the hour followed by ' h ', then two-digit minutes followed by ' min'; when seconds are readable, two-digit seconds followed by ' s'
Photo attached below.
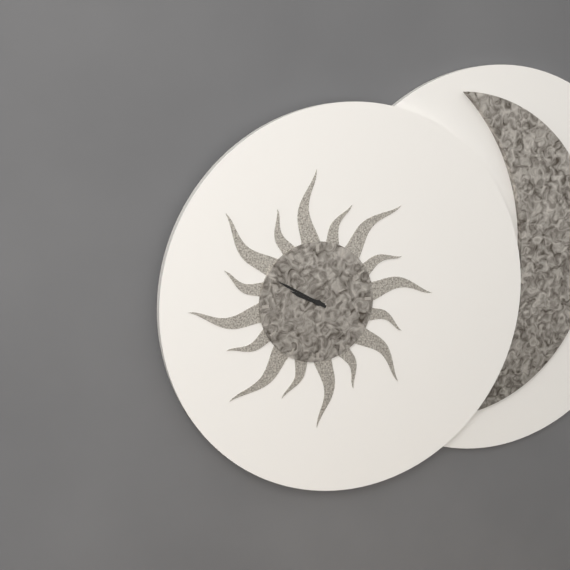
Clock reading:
9 h 50 min
